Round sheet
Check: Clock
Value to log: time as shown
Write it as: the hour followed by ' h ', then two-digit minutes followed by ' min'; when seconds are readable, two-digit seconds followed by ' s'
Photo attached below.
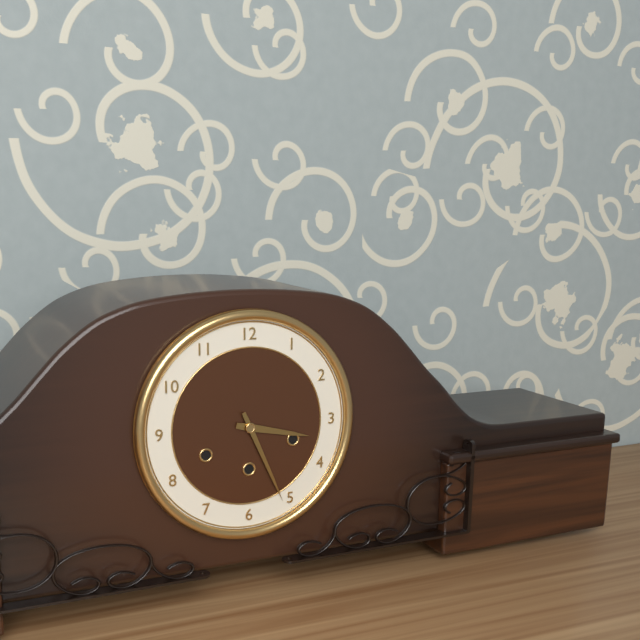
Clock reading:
3 h 26 min
